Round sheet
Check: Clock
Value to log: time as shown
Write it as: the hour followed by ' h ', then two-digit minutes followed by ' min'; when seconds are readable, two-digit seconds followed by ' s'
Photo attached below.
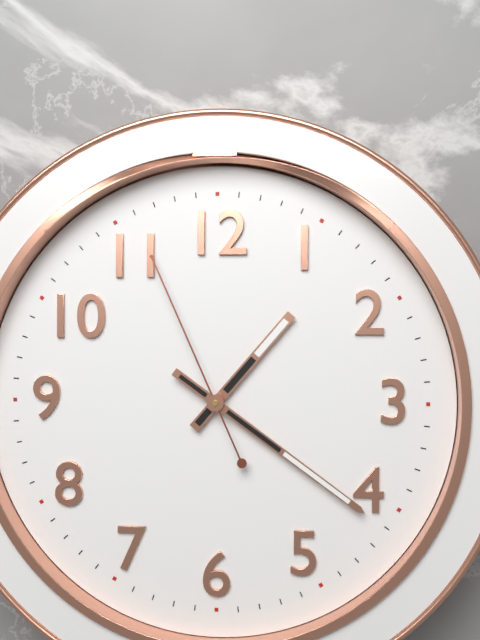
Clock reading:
1 h 21 min 56 s
